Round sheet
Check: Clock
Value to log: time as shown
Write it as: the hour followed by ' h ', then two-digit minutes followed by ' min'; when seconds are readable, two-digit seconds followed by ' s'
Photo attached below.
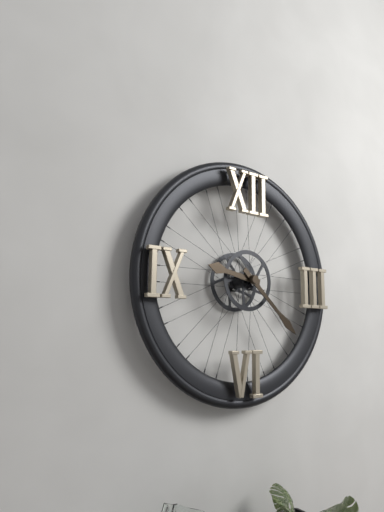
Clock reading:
9 h 22 min
